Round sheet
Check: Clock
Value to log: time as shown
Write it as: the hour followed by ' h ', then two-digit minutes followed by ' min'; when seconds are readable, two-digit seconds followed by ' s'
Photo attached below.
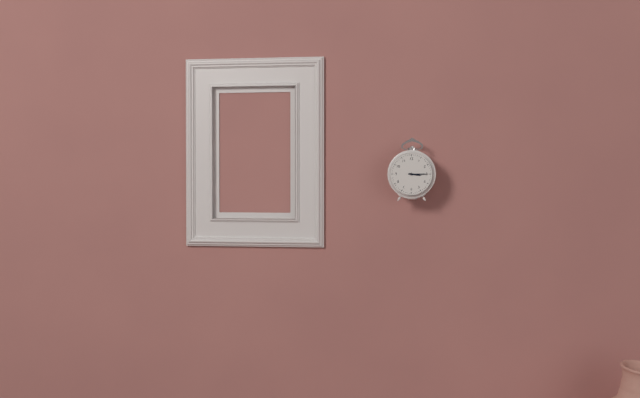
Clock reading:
3 h 15 min
